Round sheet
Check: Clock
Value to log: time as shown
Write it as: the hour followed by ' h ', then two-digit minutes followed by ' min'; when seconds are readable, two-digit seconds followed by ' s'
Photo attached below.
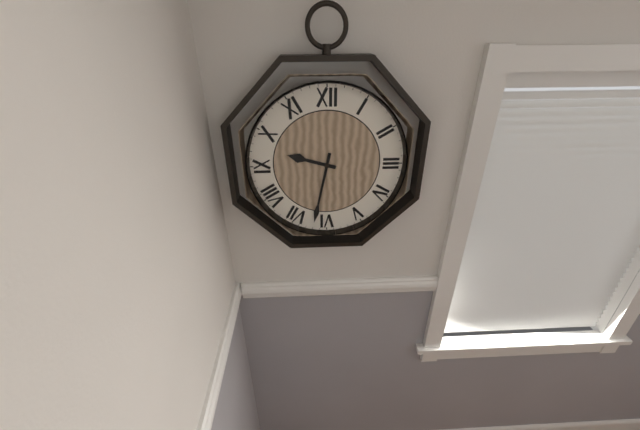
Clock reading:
9 h 32 min
